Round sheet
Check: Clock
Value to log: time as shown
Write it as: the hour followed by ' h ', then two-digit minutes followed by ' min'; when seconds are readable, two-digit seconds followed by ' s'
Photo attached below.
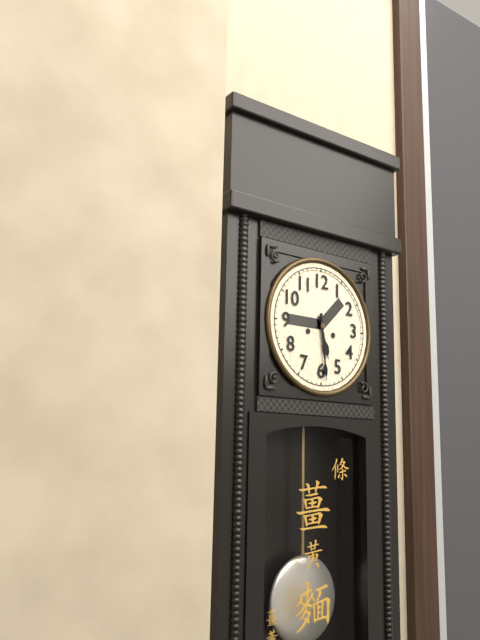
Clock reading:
5 h 29 min
